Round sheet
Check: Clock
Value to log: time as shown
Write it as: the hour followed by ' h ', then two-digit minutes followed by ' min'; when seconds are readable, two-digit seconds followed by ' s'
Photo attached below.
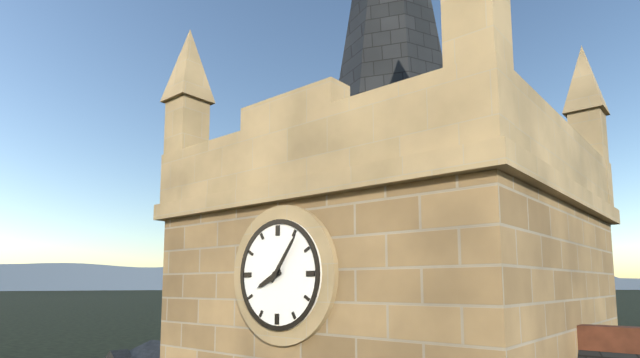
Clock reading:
8 h 06 min
